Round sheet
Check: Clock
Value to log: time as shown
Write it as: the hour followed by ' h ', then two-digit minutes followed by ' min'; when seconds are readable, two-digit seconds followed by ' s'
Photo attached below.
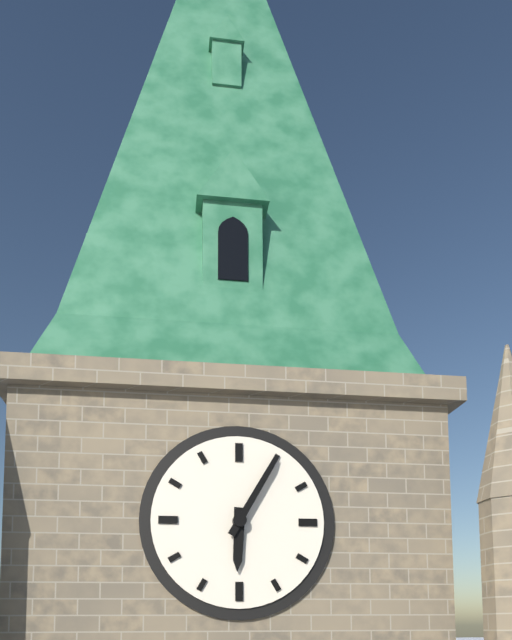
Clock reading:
6 h 05 min
